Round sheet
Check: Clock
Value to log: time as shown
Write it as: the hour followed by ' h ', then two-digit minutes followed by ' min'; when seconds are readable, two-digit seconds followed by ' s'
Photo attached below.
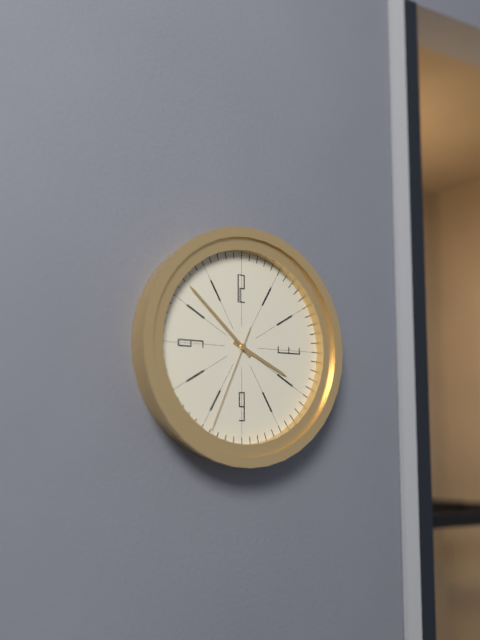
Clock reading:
3 h 52 min 34 s
